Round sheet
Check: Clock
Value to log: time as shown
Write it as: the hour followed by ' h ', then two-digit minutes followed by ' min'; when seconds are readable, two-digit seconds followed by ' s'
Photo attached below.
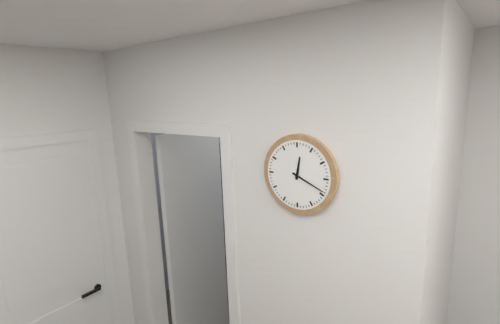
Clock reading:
12 h 19 min
